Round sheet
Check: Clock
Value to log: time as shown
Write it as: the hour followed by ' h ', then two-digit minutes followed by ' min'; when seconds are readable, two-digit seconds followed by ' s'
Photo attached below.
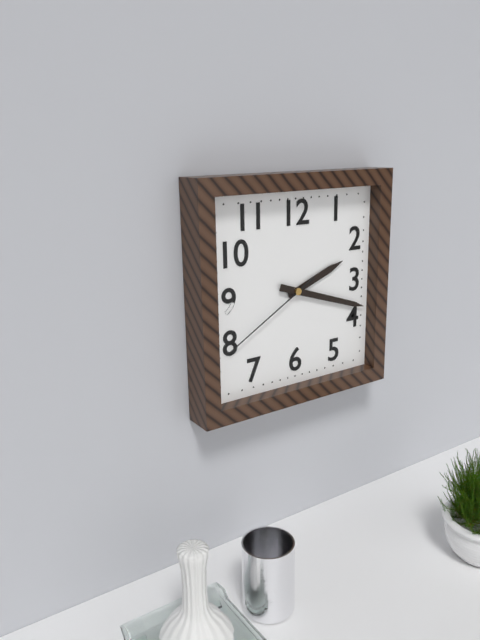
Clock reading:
2 h 18 min 40 s
